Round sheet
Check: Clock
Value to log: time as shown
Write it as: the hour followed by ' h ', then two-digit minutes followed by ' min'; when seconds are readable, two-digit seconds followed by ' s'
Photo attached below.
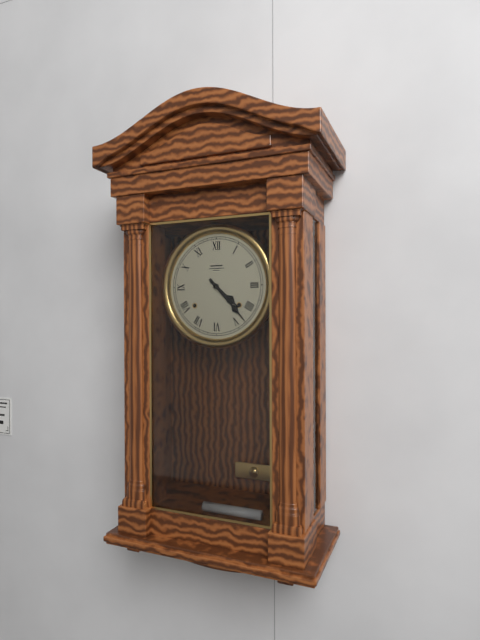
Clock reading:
4 h 23 min
